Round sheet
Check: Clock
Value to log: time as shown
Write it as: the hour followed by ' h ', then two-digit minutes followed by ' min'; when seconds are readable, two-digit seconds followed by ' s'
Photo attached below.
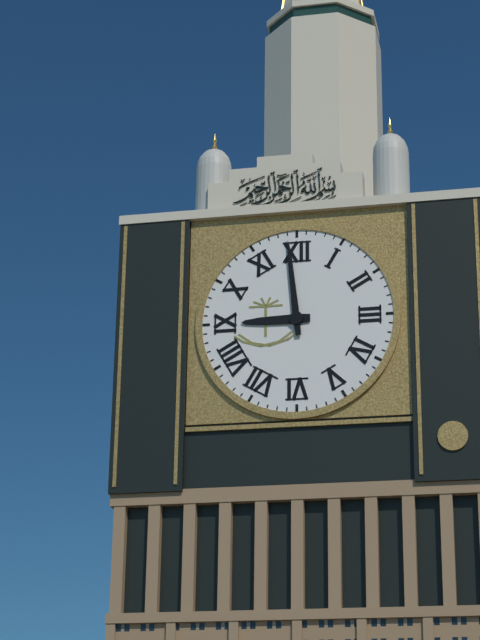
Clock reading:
8 h 59 min
